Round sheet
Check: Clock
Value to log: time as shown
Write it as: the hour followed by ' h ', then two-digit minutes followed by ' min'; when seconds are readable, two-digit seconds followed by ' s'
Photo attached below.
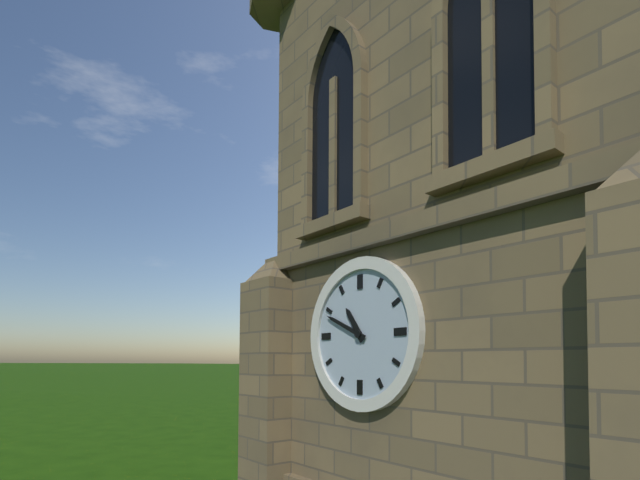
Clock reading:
10 h 49 min
